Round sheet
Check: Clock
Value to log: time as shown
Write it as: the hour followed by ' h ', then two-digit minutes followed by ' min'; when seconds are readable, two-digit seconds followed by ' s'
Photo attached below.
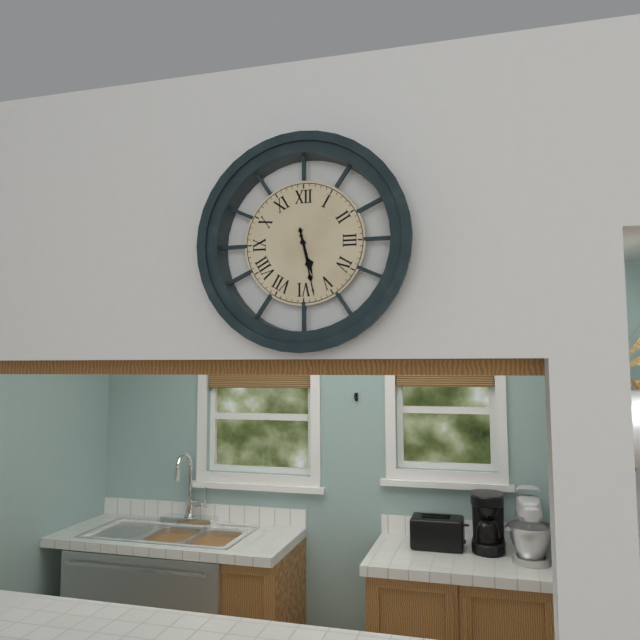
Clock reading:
5 h 28 min
